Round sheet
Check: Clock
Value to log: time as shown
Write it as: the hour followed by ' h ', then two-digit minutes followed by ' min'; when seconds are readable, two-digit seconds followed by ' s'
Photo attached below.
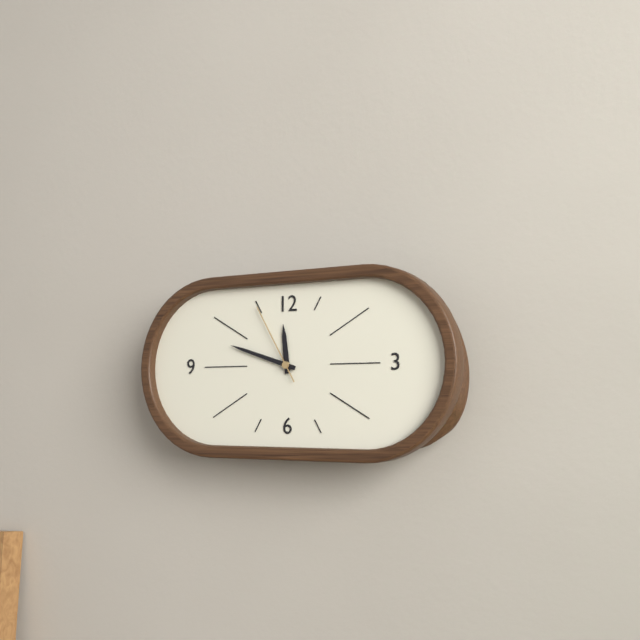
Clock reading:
11 h 48 min 55 s
